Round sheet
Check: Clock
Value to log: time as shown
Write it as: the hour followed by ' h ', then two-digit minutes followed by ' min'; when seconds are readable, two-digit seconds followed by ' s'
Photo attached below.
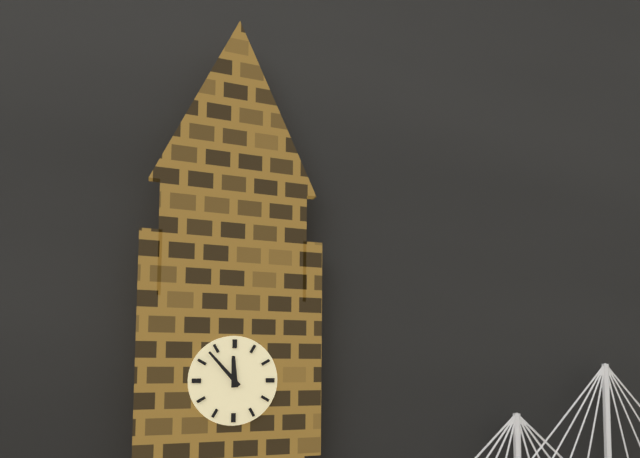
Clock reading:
11 h 53 min
